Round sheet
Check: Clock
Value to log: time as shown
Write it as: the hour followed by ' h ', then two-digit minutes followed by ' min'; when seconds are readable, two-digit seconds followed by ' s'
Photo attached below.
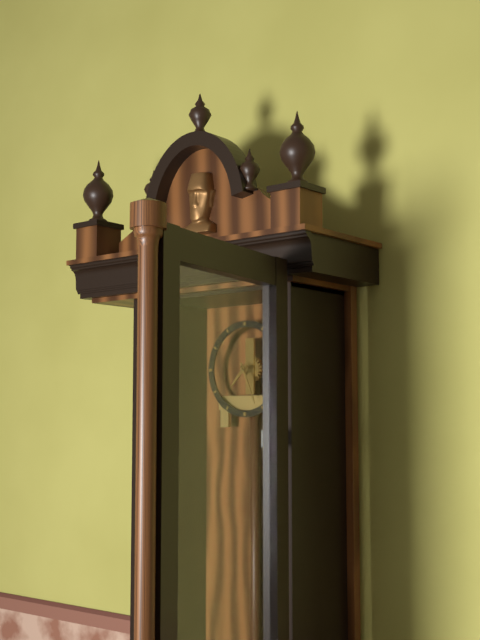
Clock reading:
7 h 26 min
